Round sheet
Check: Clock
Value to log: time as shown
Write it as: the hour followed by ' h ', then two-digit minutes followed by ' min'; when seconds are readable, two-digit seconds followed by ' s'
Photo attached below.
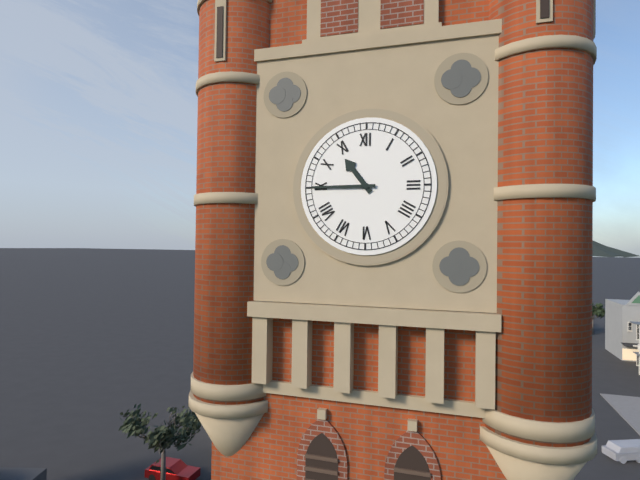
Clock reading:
10 h 45 min
